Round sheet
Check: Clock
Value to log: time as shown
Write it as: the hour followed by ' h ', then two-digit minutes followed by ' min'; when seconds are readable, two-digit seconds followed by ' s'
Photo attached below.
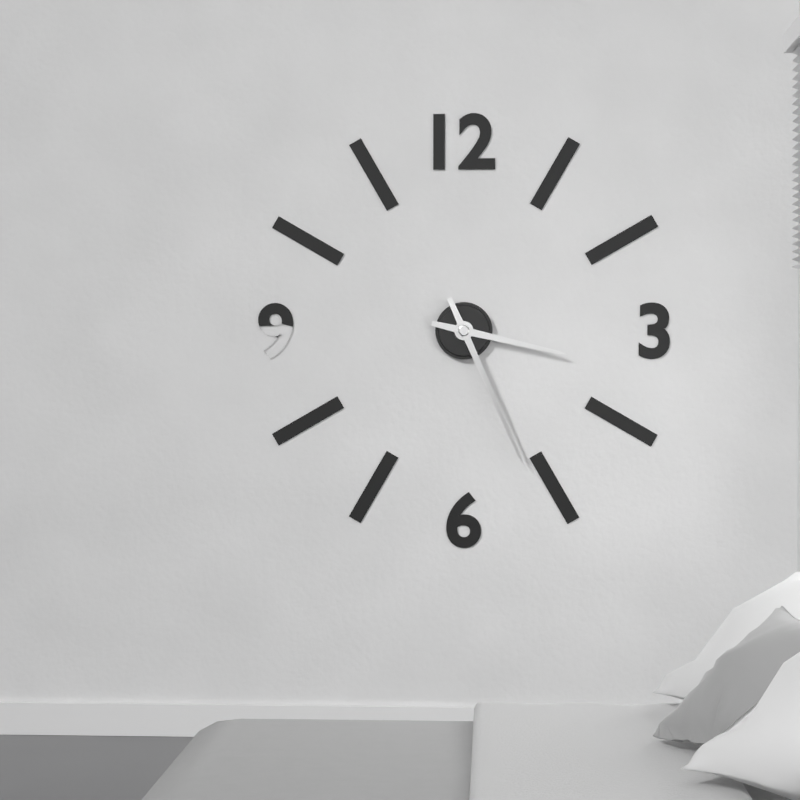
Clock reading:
3 h 26 min
